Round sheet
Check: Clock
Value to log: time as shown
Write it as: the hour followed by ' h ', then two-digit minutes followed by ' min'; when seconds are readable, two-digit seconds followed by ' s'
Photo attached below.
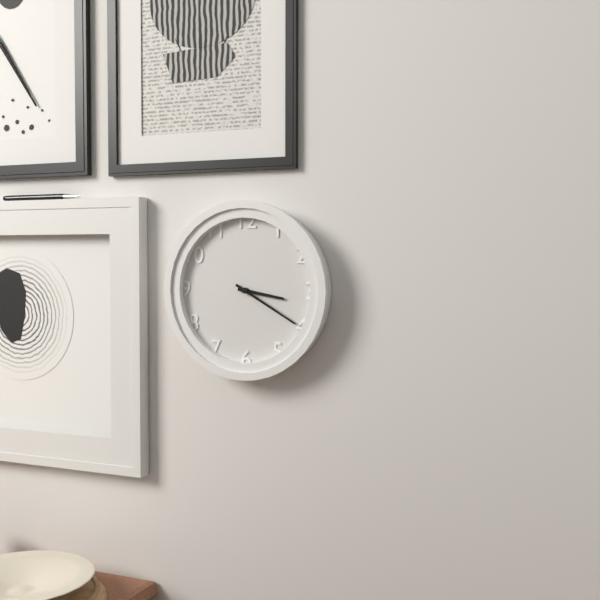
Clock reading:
3 h 20 min
